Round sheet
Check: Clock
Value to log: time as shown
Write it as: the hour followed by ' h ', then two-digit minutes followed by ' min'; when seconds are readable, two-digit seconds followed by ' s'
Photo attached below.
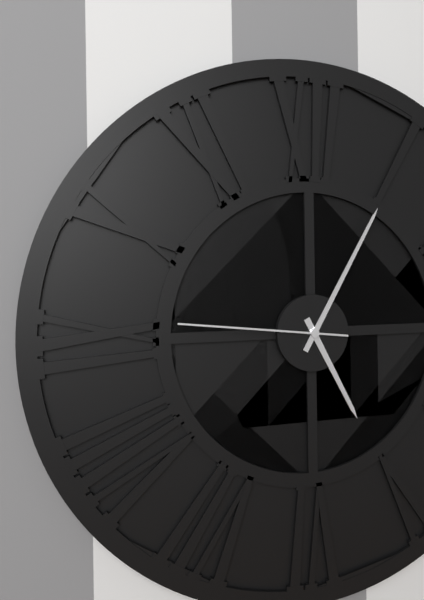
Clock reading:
5 h 05 min 46 s
